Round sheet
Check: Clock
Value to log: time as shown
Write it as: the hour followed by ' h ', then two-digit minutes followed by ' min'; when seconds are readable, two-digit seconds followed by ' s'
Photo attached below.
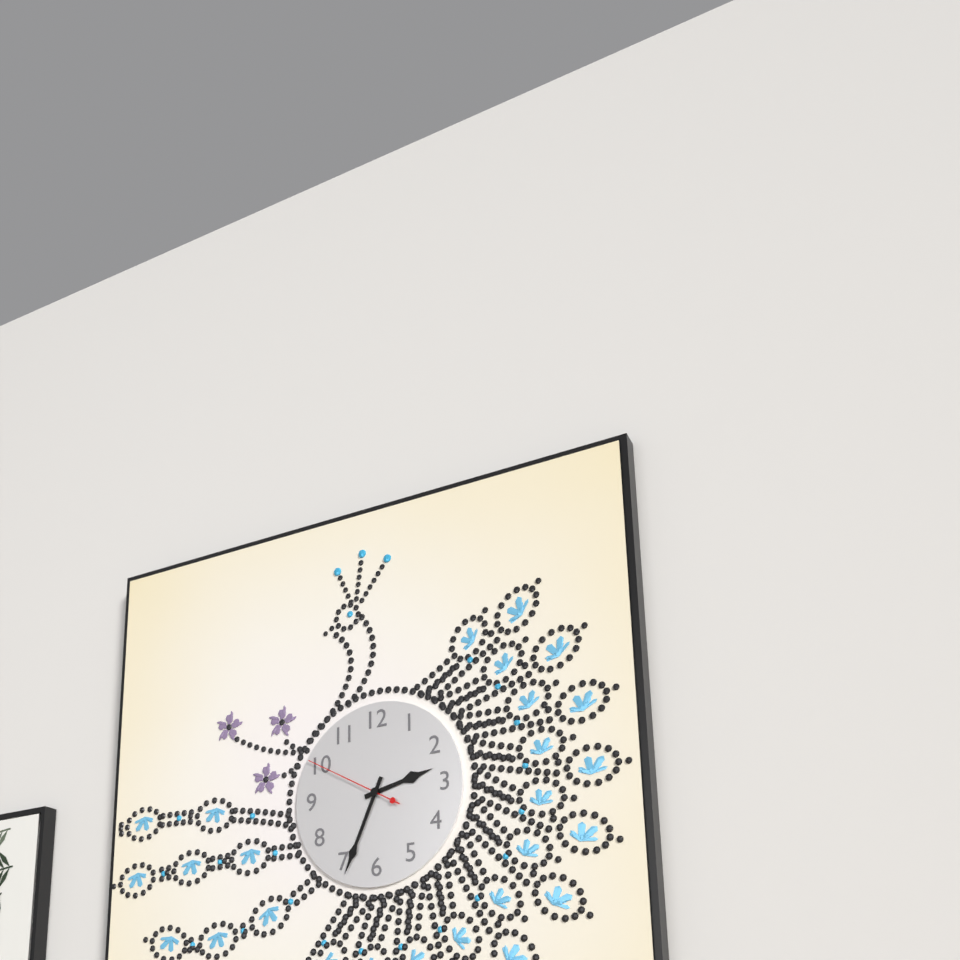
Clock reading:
2 h 34 min 50 s
